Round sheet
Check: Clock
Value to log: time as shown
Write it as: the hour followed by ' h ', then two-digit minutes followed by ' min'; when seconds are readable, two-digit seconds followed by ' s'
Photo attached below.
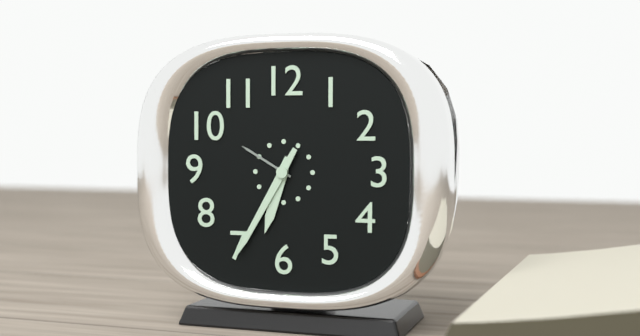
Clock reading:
6 h 35 min
